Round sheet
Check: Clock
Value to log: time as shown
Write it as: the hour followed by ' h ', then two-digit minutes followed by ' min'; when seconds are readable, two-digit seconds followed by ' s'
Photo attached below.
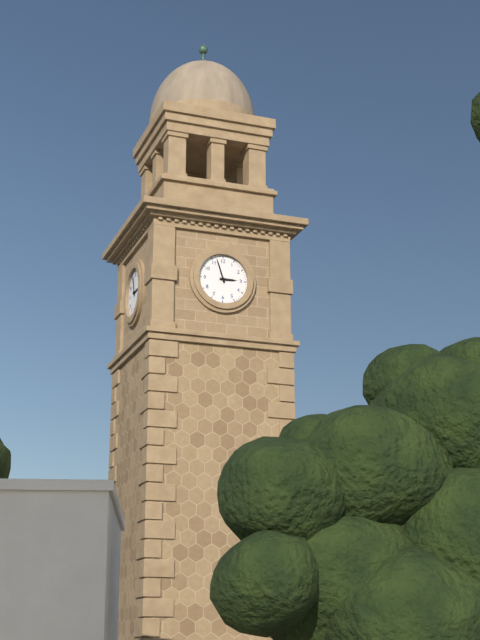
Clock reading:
2 h 57 min
